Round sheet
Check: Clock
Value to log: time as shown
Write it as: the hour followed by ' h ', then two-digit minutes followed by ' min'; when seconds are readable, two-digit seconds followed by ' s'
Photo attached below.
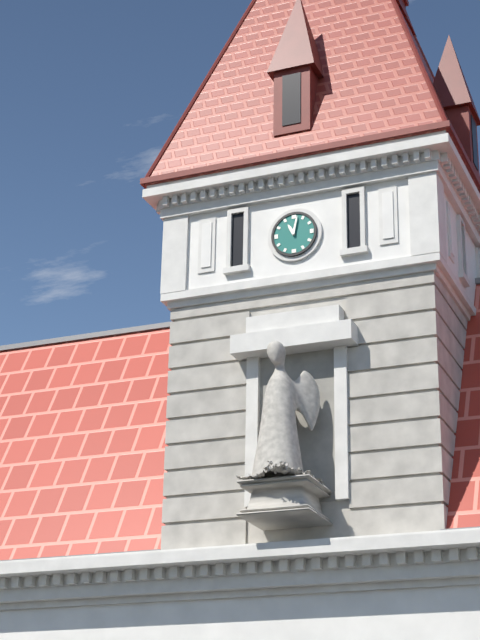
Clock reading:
11 h 02 min
